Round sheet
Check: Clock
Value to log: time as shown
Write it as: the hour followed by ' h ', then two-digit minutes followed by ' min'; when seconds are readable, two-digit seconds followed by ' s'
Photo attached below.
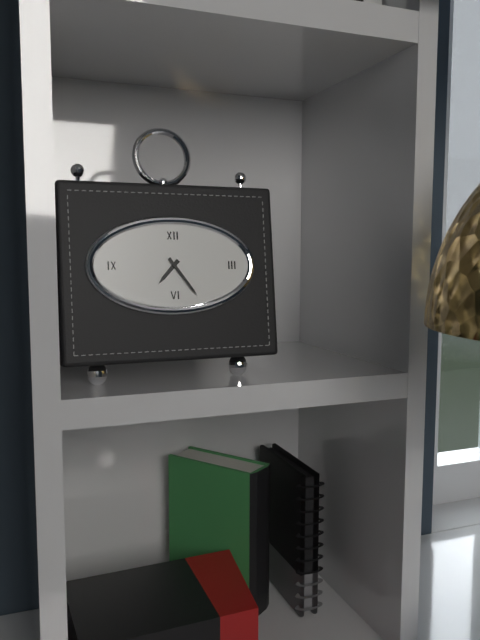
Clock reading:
7 h 24 min
